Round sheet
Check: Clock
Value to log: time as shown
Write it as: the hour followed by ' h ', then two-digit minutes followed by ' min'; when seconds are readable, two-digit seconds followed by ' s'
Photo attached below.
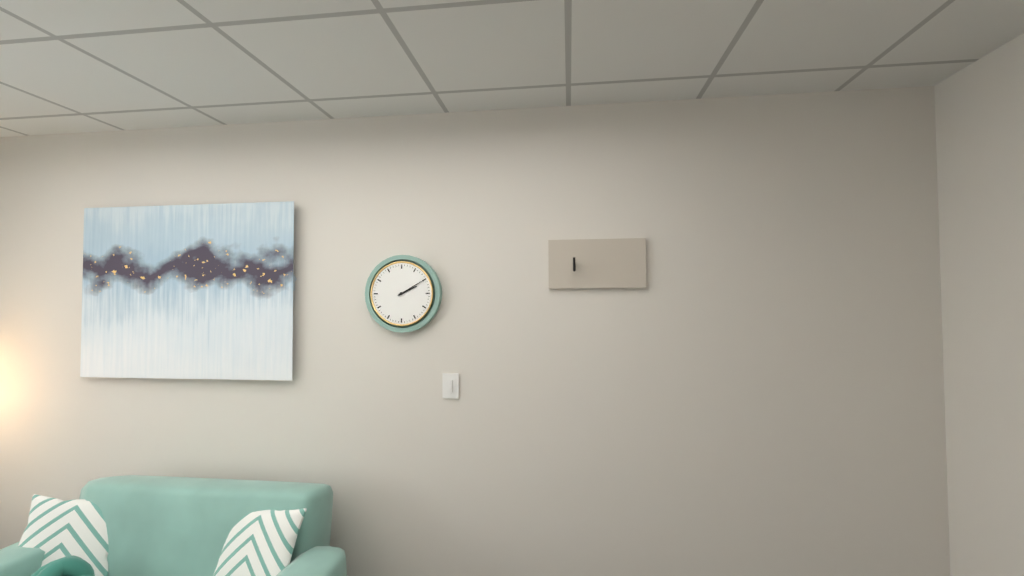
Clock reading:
2 h 10 min
